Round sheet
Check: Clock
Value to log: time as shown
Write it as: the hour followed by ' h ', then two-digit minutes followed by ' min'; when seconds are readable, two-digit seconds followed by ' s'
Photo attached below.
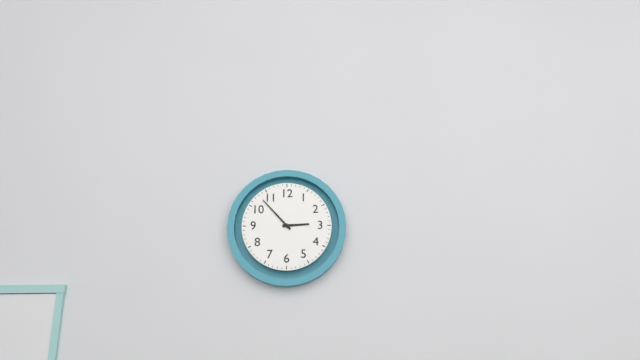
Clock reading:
2 h 53 min
